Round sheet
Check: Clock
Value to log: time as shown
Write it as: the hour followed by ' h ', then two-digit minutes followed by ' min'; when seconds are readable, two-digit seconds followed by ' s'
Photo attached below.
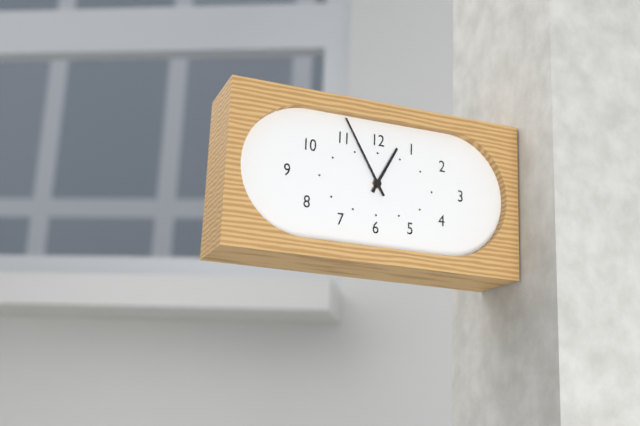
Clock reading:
12 h 55 min
